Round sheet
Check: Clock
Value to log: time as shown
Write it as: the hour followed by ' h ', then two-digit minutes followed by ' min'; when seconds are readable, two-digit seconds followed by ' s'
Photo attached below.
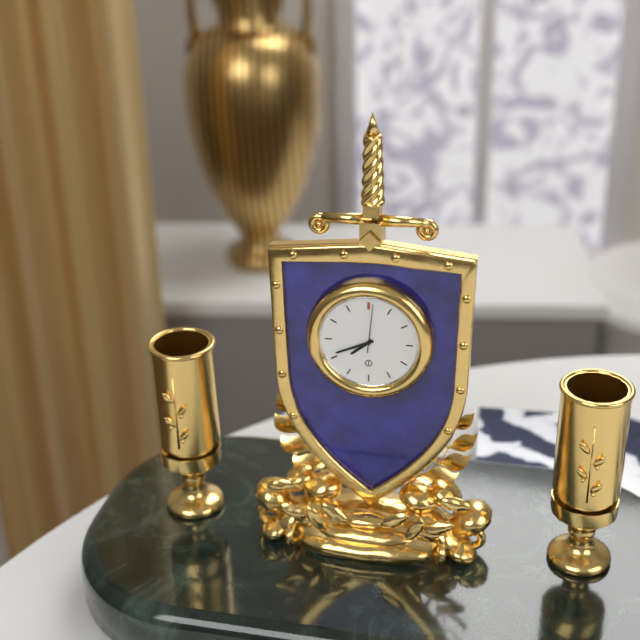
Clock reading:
7 h 41 min
